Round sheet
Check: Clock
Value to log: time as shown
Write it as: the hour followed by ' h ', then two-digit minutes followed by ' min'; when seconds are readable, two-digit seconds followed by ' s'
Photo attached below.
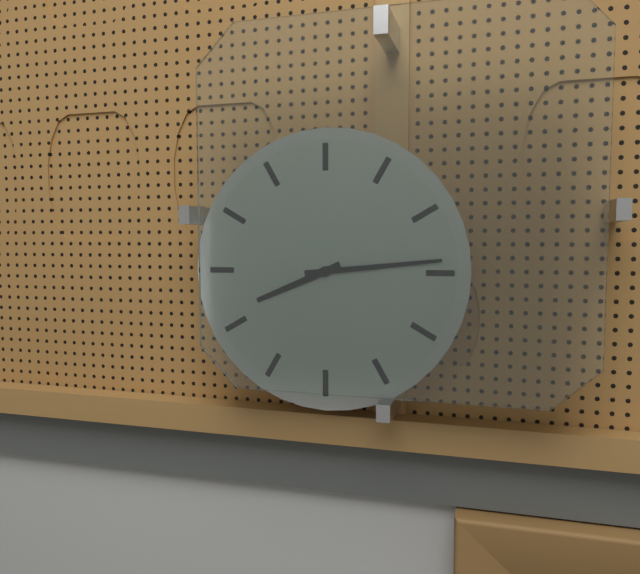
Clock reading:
8 h 14 min
